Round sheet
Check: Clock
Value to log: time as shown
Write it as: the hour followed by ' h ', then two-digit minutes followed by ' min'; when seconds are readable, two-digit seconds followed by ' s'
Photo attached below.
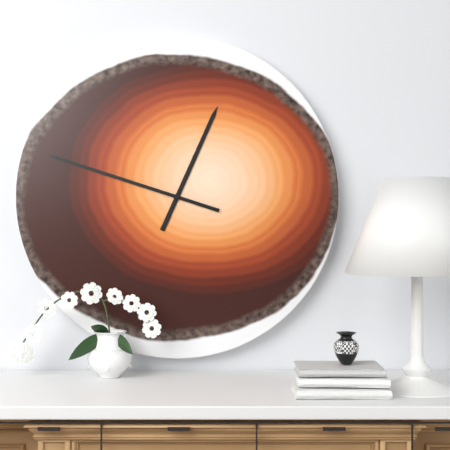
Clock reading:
12 h 48 min
